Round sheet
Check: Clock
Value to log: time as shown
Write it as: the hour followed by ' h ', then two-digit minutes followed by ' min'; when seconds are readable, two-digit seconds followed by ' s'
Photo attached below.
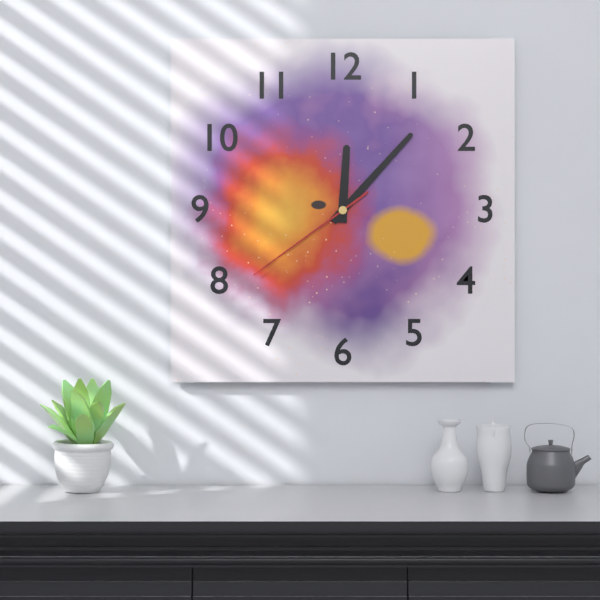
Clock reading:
12 h 07 min 39 s
